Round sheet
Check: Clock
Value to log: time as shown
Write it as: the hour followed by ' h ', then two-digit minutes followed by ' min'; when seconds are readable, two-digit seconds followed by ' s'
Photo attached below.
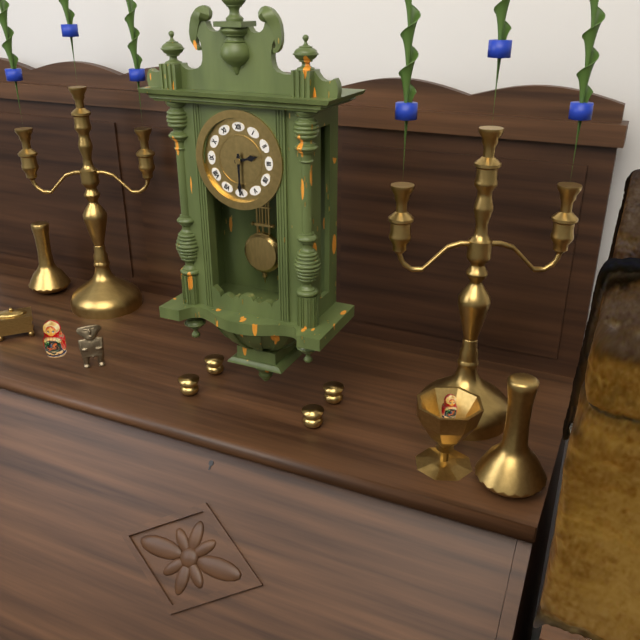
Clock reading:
2 h 30 min
